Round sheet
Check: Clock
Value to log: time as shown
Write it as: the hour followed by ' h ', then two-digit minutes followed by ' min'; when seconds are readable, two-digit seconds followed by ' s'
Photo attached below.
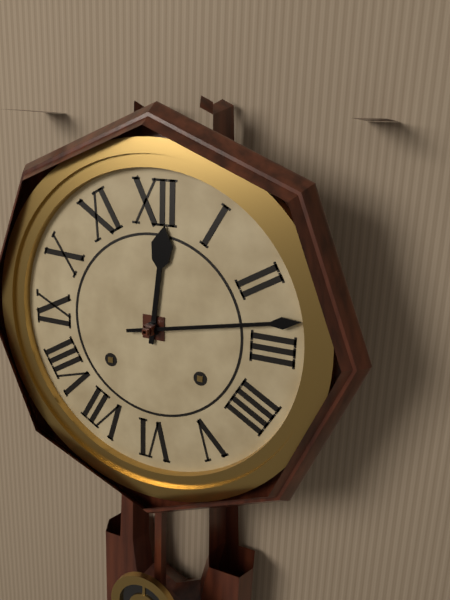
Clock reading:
12 h 13 min
